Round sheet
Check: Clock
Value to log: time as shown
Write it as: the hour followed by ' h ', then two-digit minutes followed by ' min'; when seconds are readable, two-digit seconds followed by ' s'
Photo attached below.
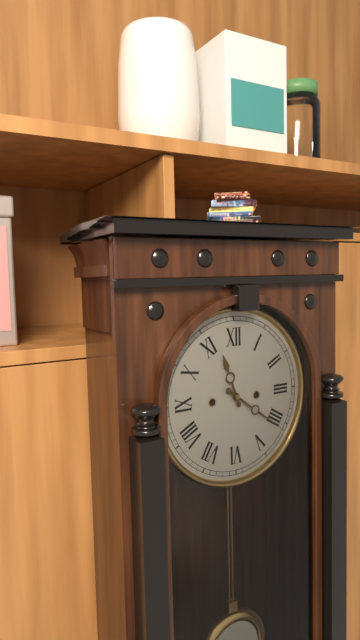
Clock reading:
11 h 21 min
